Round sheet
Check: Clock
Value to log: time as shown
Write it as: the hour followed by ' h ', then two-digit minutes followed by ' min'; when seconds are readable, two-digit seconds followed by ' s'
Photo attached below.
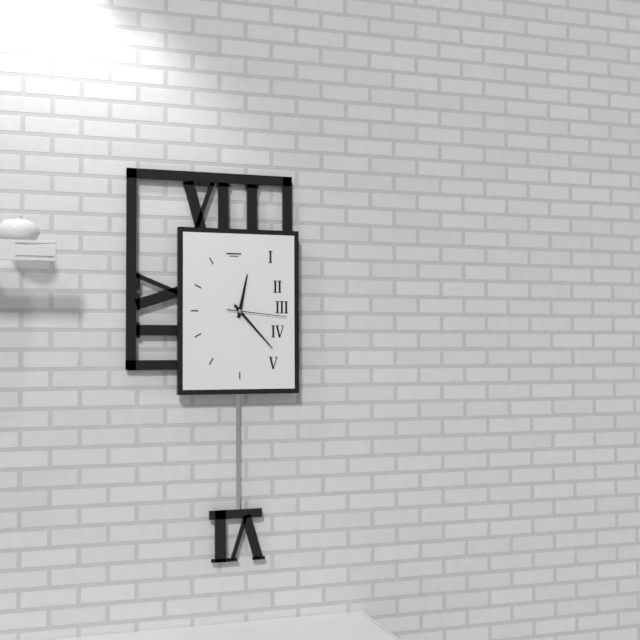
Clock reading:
12 h 23 min 16 s
